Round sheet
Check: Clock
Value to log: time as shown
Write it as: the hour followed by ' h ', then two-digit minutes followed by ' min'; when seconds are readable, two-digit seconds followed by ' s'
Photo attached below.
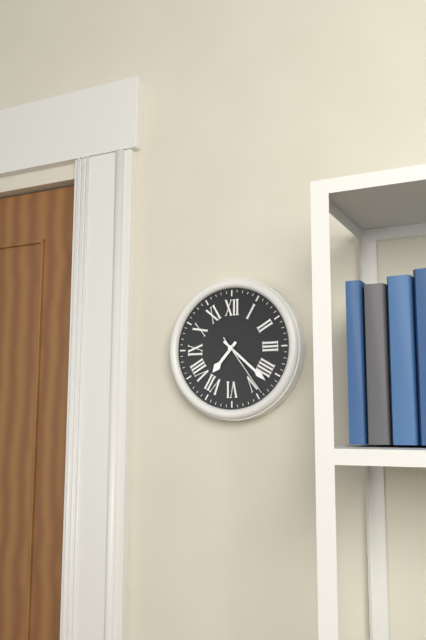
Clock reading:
7 h 22 min 24 s
